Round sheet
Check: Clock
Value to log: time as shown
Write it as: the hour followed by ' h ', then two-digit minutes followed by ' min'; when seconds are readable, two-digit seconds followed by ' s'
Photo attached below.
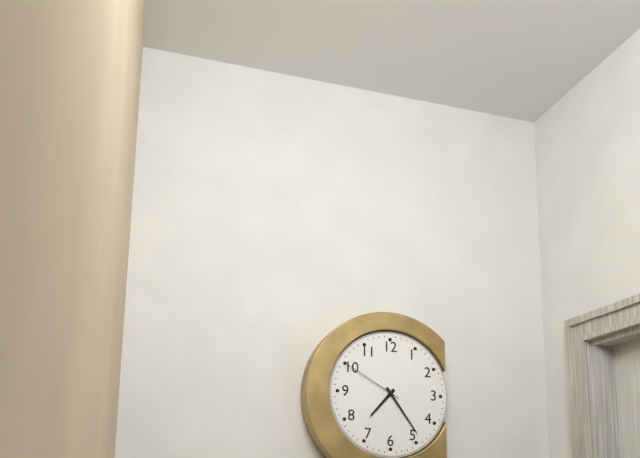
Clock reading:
7 h 24 min 50 s
